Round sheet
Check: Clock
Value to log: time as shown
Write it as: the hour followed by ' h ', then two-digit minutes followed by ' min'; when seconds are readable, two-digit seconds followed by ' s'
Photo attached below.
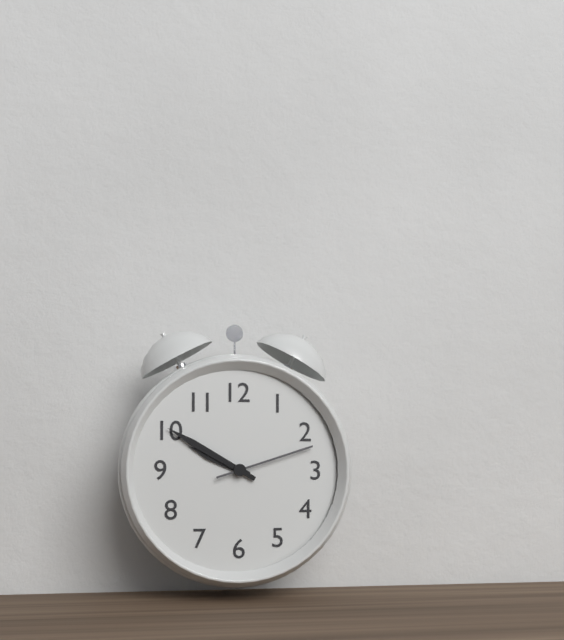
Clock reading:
9 h 50 min 12 s
